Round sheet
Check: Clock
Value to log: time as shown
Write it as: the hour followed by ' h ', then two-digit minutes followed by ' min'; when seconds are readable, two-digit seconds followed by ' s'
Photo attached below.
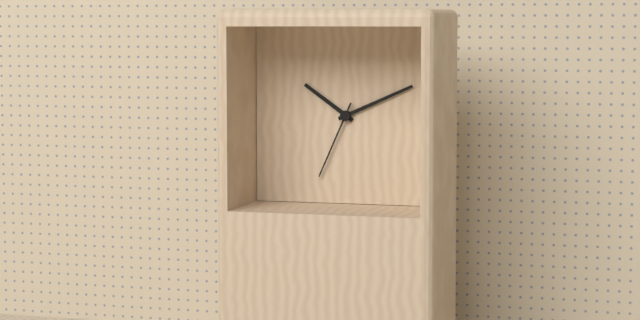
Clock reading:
10 h 11 min 34 s
